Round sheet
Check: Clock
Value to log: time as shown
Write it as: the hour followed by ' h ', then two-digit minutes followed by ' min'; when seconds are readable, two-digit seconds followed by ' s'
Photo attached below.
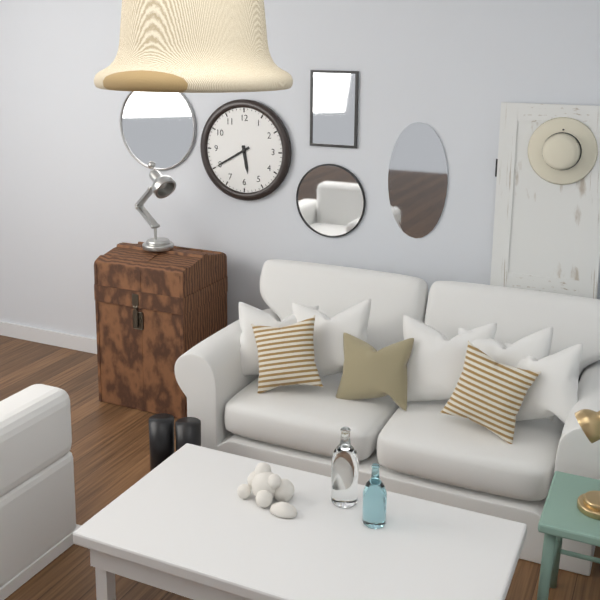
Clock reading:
5 h 40 min
